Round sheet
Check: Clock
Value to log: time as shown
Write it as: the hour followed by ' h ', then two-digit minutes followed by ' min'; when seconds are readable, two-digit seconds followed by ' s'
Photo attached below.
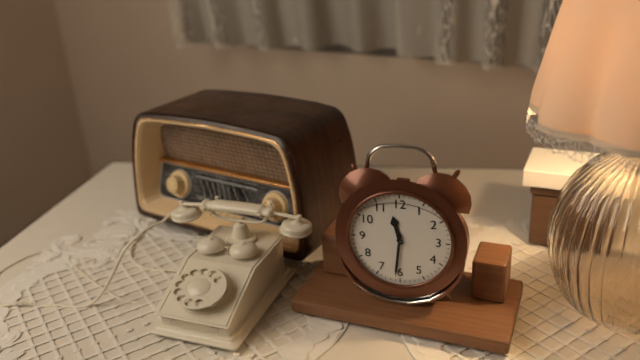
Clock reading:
11 h 31 min
